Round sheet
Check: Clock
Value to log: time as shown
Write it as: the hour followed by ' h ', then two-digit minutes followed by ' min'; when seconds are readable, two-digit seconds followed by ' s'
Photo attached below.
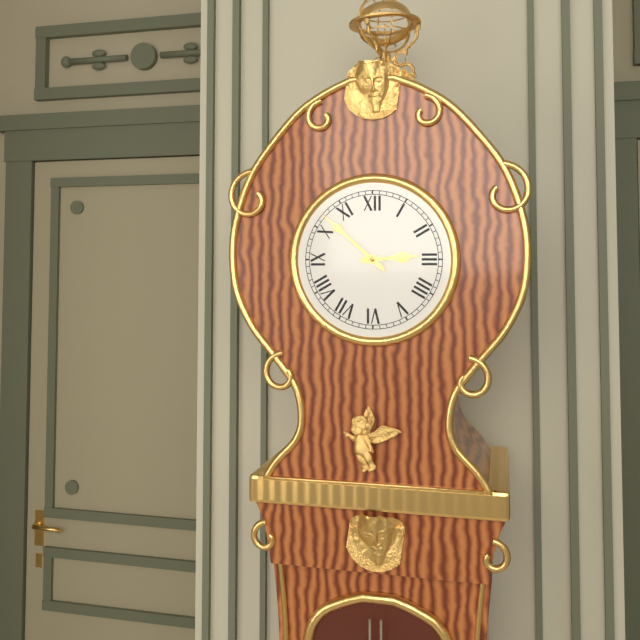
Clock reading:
2 h 52 min
